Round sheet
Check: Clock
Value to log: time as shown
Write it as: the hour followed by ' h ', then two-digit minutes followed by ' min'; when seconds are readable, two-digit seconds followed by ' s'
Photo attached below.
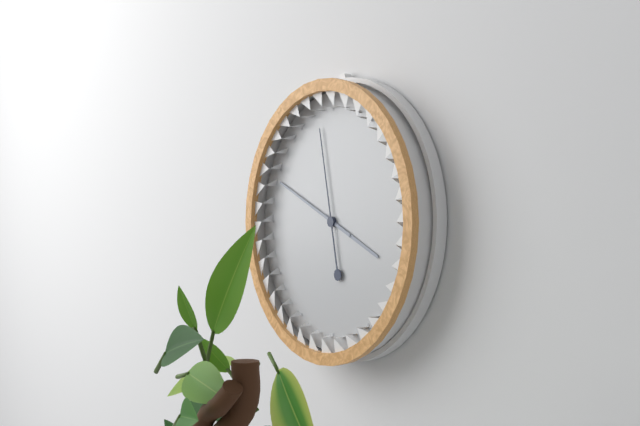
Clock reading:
3 h 49 min 58 s
